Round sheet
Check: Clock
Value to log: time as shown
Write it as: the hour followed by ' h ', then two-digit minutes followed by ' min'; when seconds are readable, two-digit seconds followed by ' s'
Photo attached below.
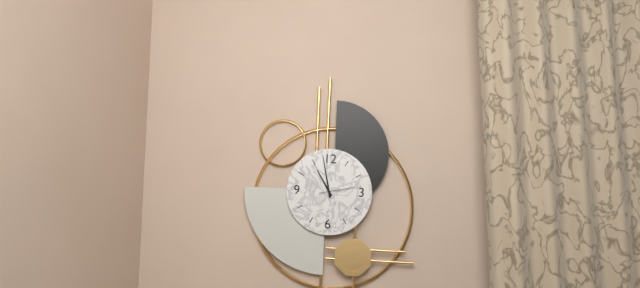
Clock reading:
10 h 58 min
